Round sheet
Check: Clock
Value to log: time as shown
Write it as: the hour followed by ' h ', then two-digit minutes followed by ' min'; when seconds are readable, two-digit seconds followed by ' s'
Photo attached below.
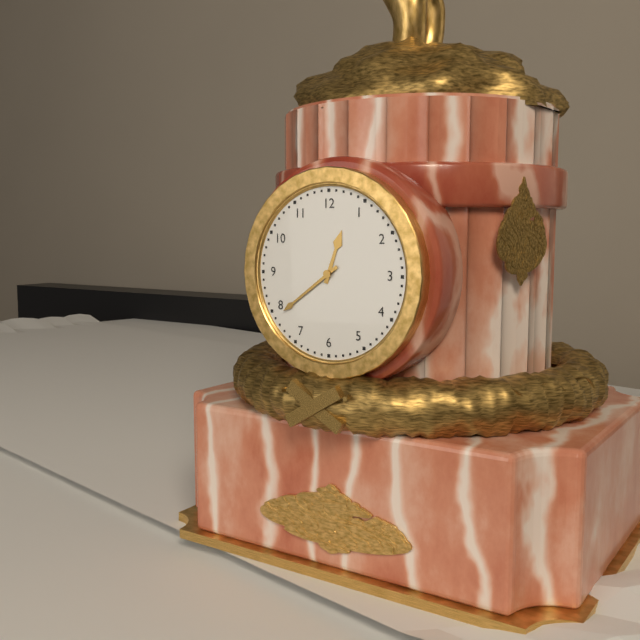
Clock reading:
12 h 39 min
